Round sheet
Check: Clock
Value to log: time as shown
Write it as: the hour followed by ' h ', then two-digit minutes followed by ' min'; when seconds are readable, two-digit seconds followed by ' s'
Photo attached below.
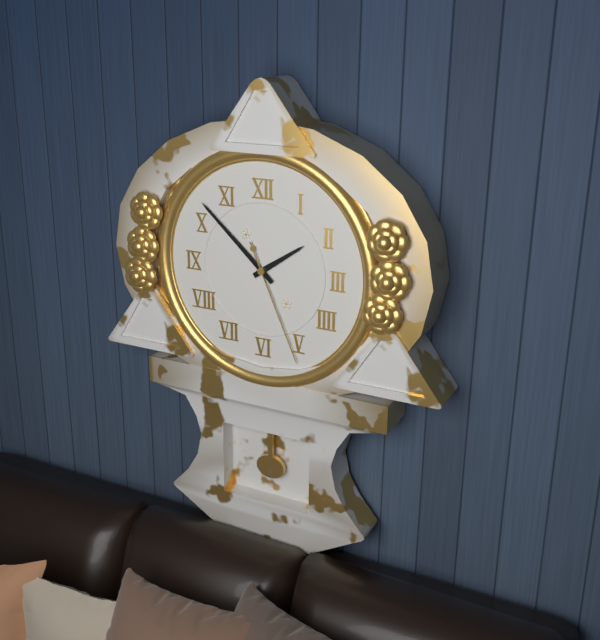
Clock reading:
1 h 52 min 26 s
